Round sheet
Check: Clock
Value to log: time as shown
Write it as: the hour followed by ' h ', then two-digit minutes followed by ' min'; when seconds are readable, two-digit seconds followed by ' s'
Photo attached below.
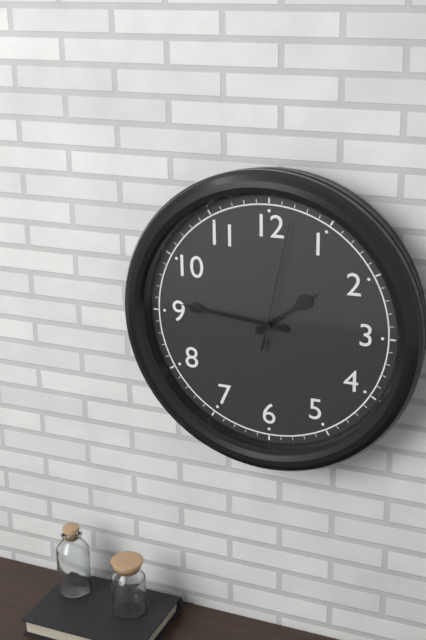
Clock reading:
1 h 46 min 02 s
